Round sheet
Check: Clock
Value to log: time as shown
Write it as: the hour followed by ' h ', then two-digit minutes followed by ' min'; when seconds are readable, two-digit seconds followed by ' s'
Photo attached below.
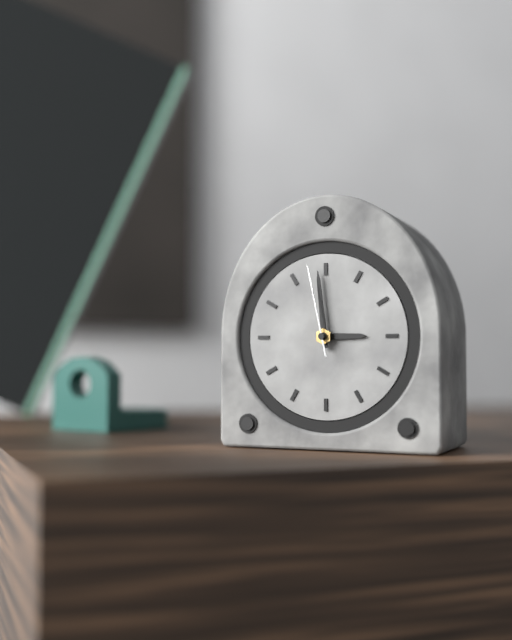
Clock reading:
2 h 59 min 58 s
